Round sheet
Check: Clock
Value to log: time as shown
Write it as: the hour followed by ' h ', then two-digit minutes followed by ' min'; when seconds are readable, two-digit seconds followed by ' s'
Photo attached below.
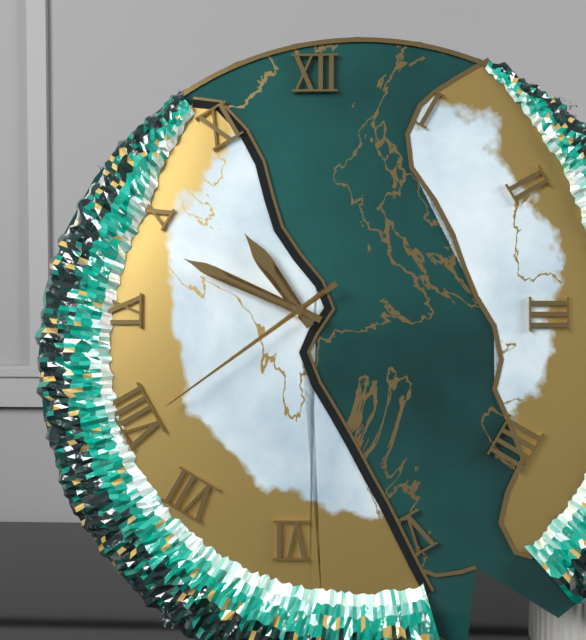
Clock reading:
10 h 49 min 39 s
